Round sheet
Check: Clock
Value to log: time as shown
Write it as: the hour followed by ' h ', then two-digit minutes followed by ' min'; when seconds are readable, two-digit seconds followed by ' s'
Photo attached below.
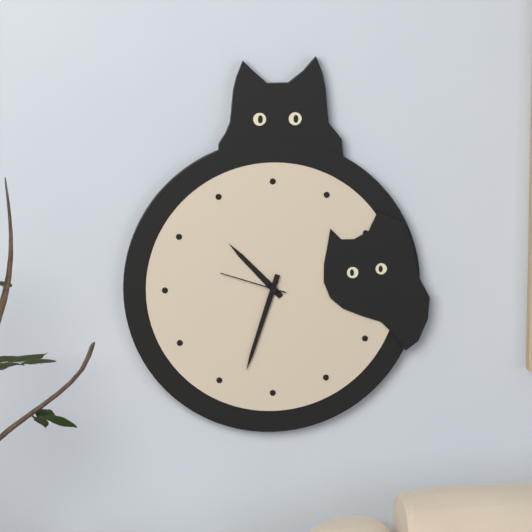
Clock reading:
10 h 33 min 48 s
